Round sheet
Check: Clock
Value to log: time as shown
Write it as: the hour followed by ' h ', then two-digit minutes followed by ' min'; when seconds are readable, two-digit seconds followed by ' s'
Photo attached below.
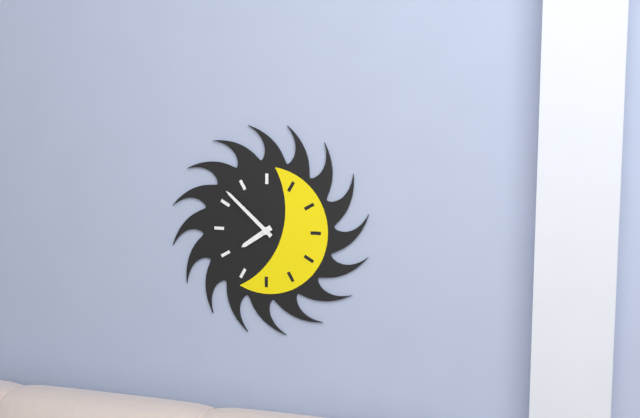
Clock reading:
7 h 52 min
